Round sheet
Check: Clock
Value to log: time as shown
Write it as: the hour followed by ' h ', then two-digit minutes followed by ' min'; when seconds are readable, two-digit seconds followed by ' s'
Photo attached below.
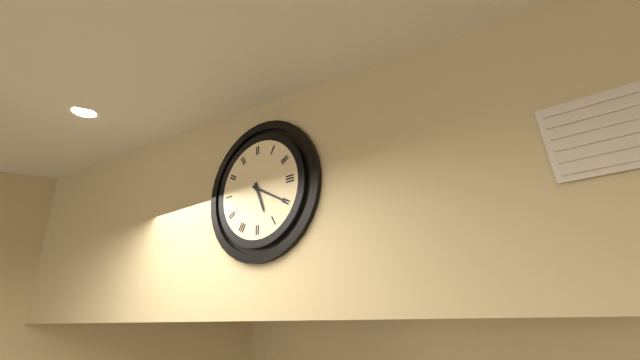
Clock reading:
5 h 20 min
